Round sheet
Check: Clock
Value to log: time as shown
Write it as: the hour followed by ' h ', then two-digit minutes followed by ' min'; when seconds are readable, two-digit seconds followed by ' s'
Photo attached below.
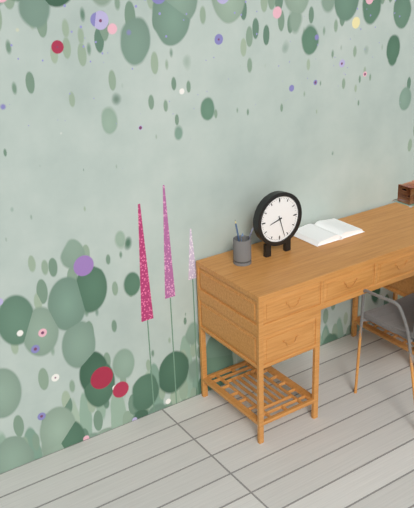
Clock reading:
8 h 27 min
